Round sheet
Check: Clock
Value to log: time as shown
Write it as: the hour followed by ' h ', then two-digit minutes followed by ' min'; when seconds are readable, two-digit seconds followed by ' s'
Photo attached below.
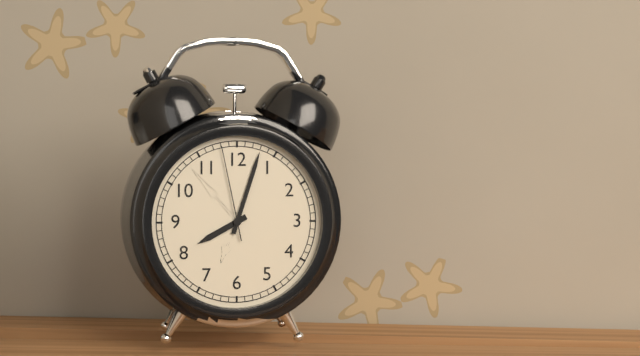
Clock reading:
8 h 03 min 58 s
